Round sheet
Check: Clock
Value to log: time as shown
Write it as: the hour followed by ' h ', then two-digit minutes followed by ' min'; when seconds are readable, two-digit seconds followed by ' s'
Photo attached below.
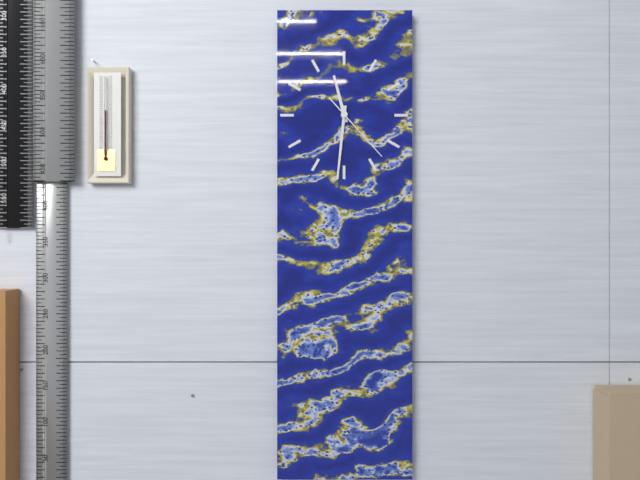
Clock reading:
11 h 31 min 23 s
